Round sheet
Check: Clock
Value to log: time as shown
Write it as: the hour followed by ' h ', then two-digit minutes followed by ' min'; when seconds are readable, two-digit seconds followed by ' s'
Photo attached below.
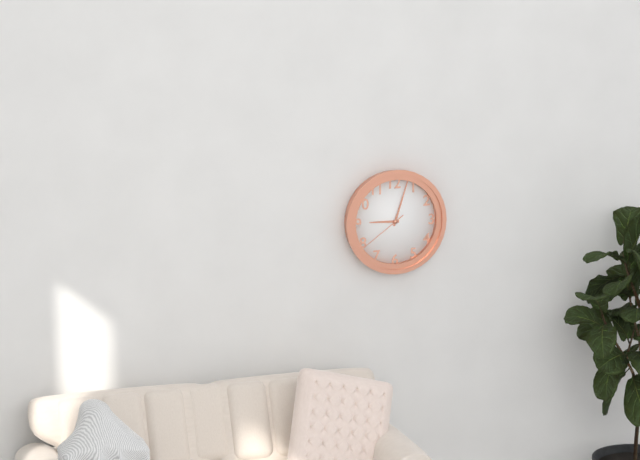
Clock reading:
9 h 03 min
